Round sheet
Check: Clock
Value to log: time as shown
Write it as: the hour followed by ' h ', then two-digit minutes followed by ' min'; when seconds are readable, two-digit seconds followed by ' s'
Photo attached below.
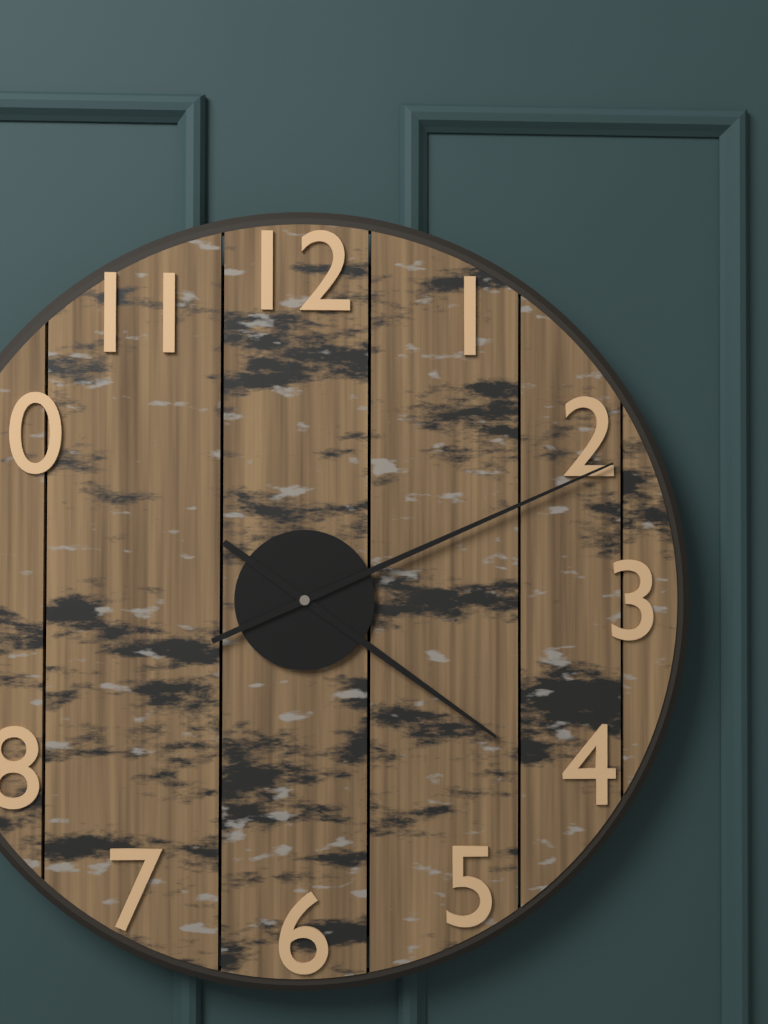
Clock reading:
4 h 11 min
